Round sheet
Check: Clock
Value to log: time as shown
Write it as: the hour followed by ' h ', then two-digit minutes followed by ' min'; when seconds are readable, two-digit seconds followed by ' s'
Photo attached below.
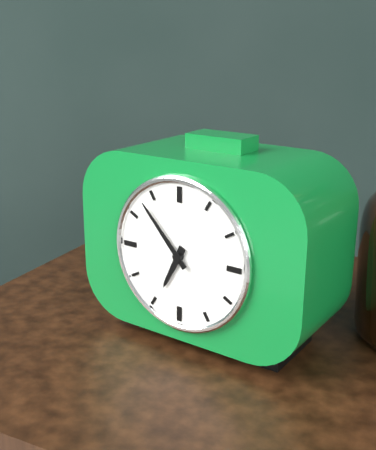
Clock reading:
6 h 53 min
